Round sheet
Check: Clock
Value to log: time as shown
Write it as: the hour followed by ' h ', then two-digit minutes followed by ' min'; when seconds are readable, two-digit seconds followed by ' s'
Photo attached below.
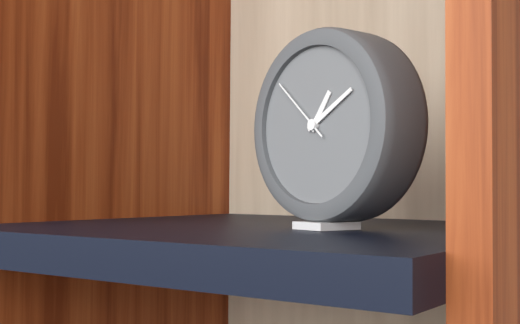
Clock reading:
1 h 10 min 52 s
